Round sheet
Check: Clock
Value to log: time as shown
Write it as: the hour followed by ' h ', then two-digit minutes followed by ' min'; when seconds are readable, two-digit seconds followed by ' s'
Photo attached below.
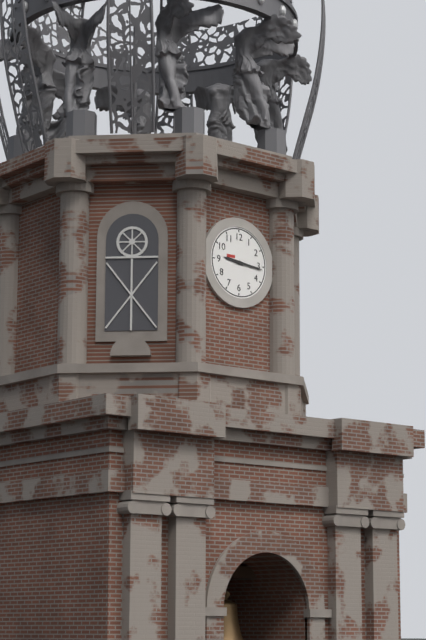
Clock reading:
9 h 16 min
